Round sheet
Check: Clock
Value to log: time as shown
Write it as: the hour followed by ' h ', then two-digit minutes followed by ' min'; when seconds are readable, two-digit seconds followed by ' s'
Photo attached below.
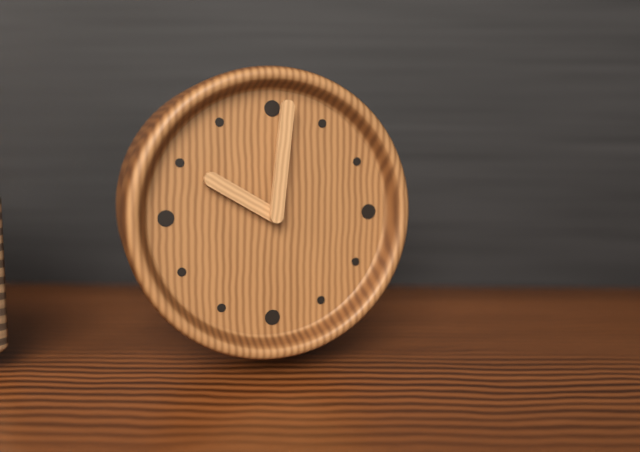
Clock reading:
10 h 01 min
